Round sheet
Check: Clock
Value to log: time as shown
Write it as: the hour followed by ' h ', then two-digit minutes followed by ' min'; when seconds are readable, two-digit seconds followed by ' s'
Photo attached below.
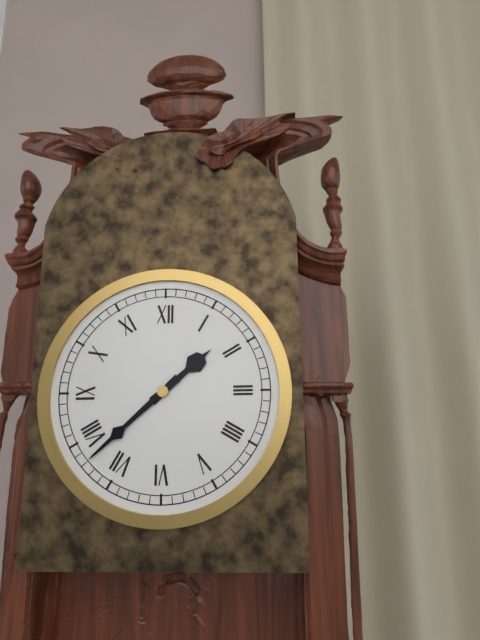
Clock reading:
1 h 38 min
